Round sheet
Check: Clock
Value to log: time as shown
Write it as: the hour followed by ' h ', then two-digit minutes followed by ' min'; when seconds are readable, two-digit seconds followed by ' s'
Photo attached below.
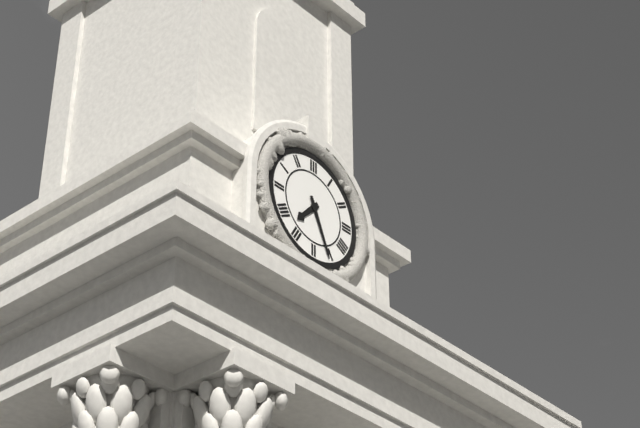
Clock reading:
7 h 26 min
